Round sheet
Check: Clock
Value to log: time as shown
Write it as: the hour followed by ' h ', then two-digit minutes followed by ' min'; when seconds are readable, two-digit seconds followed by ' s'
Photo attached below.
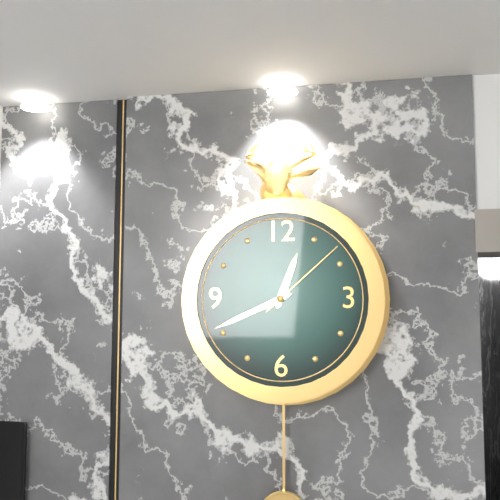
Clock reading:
12 h 41 min 08 s
